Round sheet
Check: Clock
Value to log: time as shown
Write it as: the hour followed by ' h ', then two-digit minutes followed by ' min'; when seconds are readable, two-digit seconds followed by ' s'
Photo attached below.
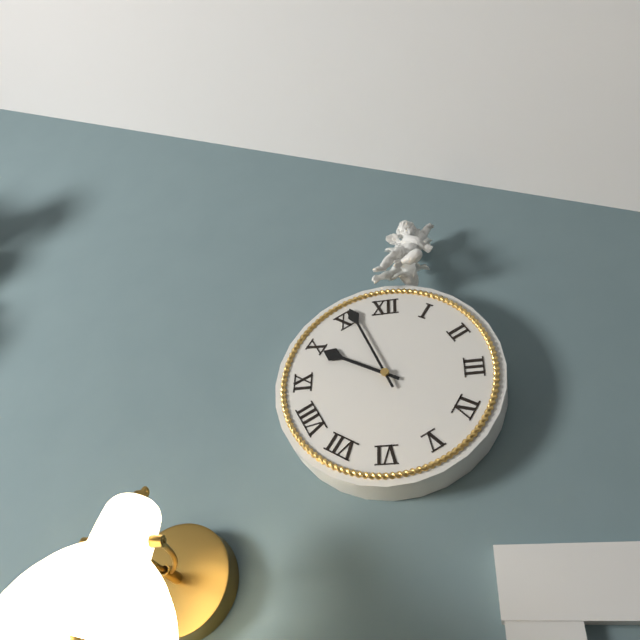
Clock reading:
9 h 56 min
